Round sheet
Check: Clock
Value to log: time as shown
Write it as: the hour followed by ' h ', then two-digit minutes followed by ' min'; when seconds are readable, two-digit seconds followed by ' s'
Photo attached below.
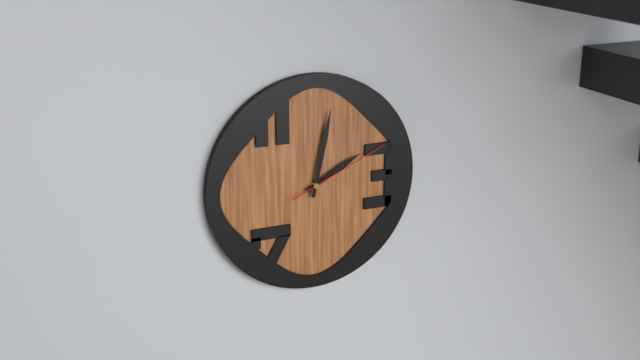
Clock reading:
2 h 02 min 11 s
